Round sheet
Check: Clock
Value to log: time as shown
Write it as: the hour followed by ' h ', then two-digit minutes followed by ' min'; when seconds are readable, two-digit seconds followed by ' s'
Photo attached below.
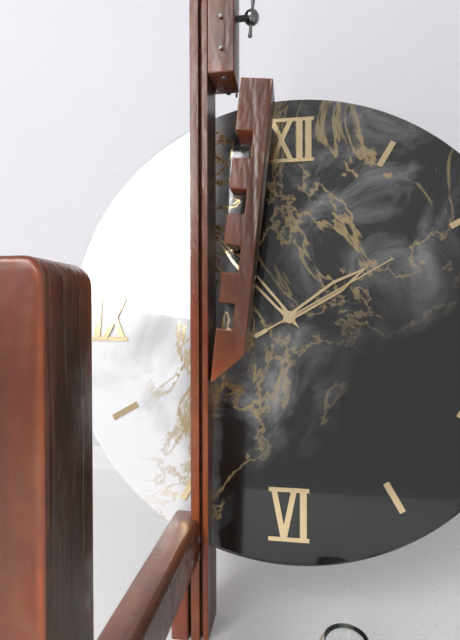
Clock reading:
1 h 53 min 10 s
